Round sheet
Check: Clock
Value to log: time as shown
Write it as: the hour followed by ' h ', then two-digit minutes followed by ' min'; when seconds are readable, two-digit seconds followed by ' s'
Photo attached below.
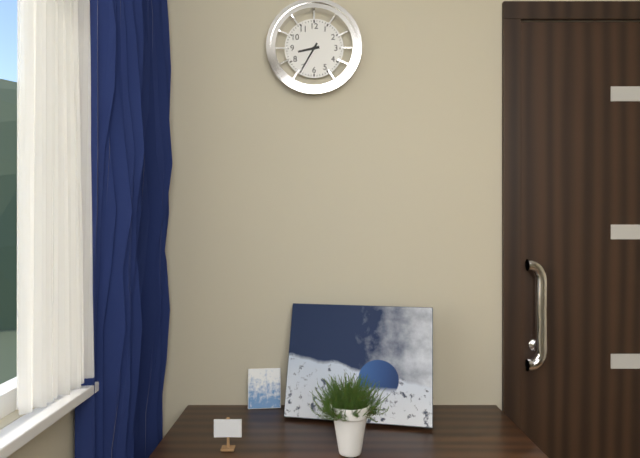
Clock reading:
8 h 35 min
